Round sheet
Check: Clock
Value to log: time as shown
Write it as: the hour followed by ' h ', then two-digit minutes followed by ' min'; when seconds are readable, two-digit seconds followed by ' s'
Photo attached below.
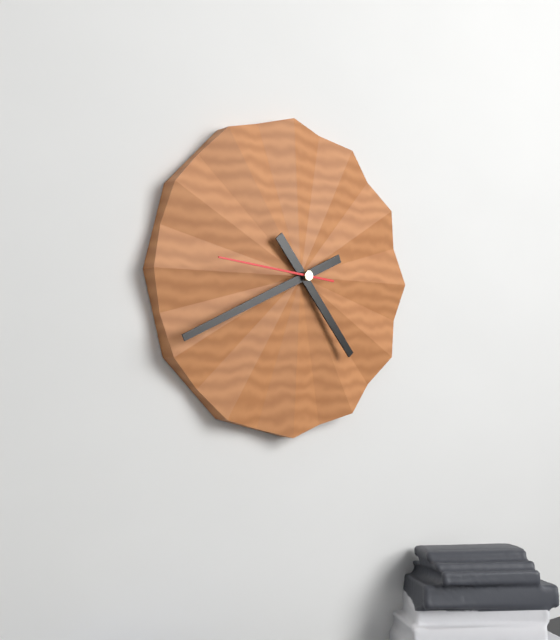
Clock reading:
4 h 41 min 46 s
